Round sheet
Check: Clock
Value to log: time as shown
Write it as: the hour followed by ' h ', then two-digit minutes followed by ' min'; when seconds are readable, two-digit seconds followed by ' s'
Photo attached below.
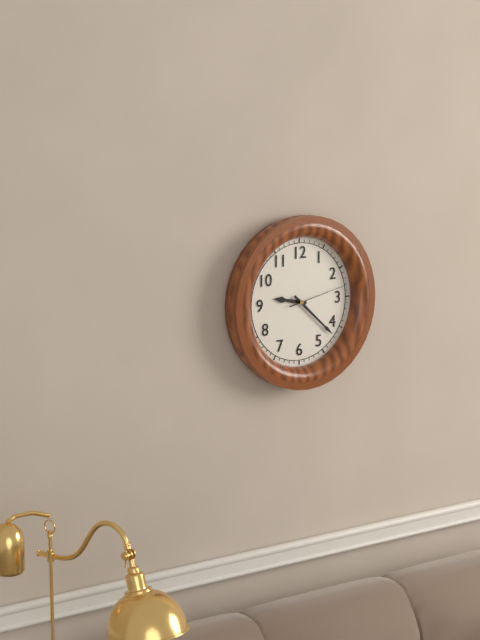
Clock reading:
9 h 22 min 13 s
